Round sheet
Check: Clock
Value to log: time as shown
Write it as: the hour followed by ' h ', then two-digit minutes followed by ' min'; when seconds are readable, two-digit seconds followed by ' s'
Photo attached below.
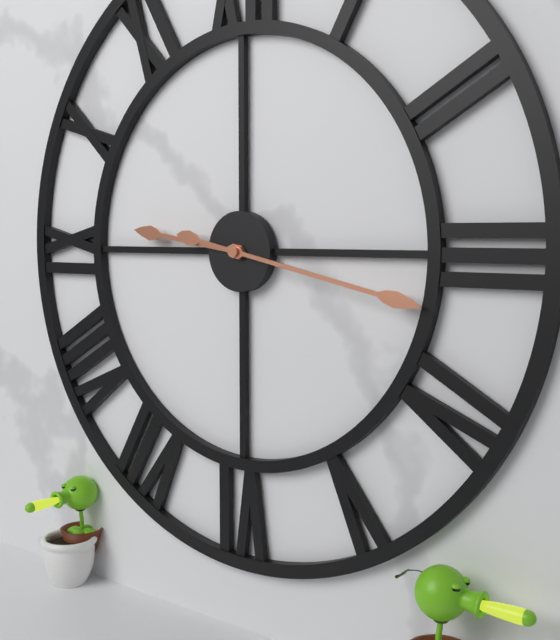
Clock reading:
9 h 17 min
